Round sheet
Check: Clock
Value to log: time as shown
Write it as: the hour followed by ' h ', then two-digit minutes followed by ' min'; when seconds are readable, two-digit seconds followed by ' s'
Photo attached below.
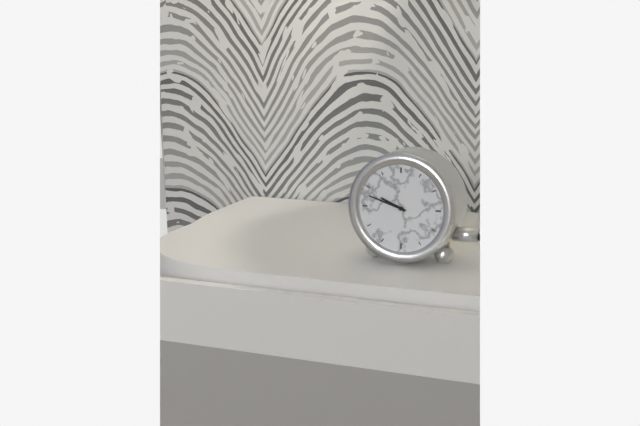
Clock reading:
9 h 48 min
